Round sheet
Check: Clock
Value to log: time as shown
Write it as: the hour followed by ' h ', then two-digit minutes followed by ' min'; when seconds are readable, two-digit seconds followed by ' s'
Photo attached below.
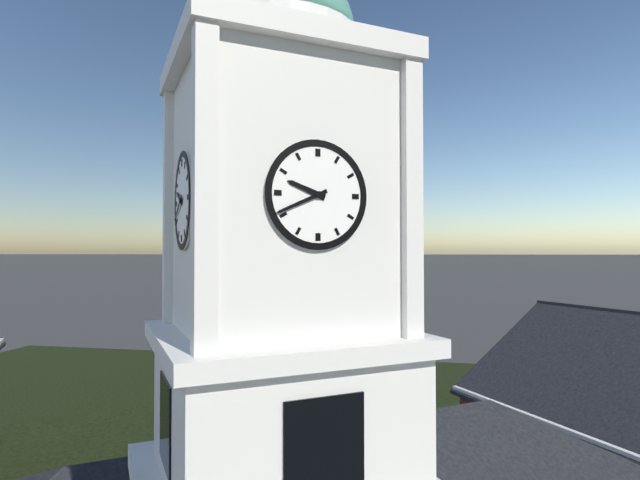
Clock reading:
9 h 41 min
